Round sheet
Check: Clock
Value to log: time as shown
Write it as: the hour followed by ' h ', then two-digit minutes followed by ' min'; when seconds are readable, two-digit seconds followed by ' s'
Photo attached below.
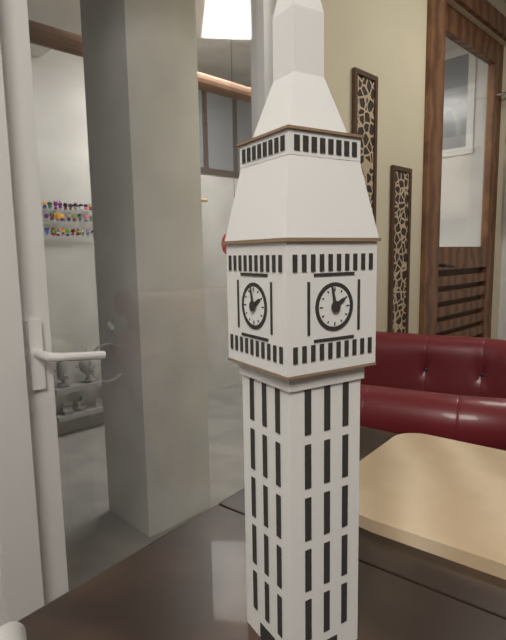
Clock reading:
1 h 58 min
